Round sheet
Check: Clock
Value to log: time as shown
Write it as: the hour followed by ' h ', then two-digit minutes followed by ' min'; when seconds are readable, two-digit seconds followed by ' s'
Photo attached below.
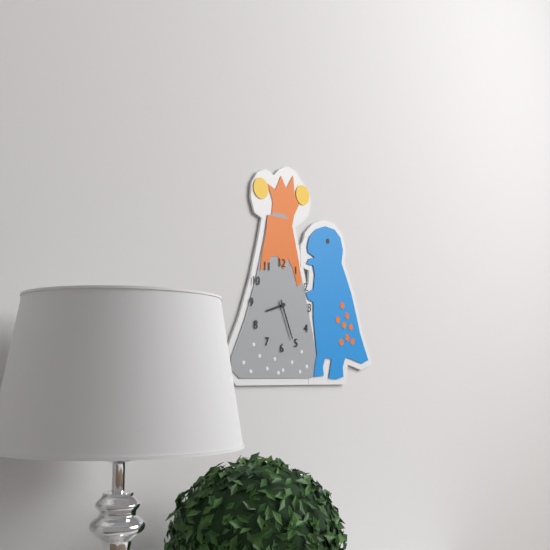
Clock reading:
8 h 26 min
